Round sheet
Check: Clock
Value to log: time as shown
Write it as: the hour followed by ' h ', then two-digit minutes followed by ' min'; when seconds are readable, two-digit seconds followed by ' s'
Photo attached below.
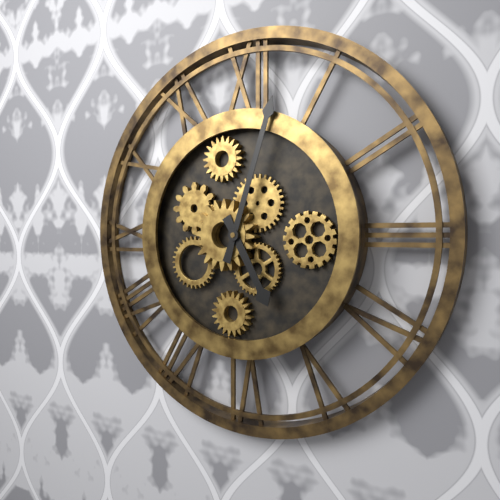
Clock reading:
5 h 03 min
